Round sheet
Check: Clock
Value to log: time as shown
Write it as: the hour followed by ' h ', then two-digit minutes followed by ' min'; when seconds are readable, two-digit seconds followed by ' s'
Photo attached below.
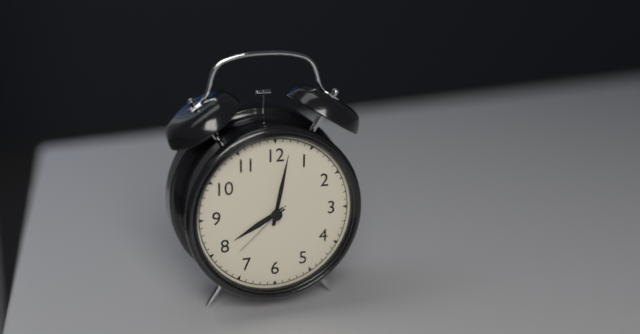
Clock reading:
8 h 02 min 38 s
